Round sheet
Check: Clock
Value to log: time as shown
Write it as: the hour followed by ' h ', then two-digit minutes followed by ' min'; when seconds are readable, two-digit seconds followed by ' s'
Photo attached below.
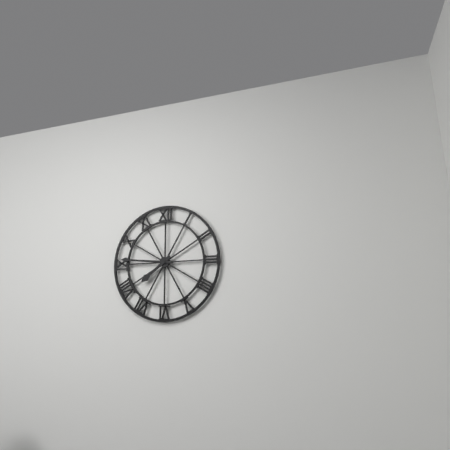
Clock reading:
7 h 46 min
